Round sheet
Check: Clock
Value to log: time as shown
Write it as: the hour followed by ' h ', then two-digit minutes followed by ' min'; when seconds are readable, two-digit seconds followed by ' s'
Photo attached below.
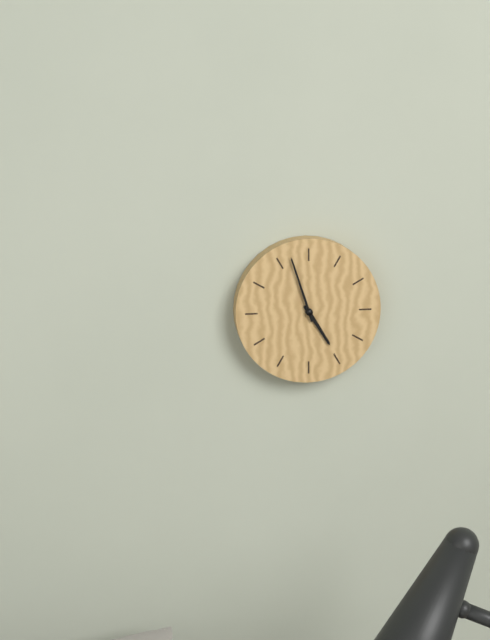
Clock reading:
4 h 57 min
